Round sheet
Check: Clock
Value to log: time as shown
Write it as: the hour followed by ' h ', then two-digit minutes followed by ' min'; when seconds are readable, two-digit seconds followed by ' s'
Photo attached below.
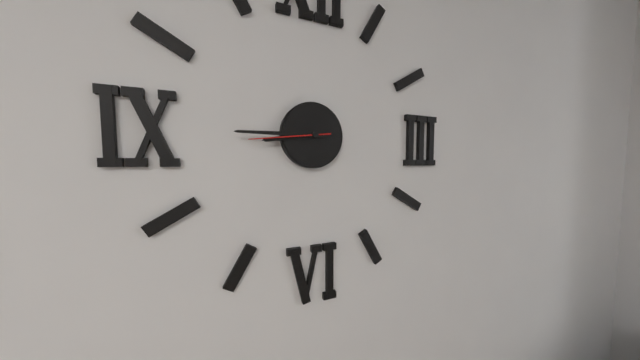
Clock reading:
8 h 45 min 44 s
